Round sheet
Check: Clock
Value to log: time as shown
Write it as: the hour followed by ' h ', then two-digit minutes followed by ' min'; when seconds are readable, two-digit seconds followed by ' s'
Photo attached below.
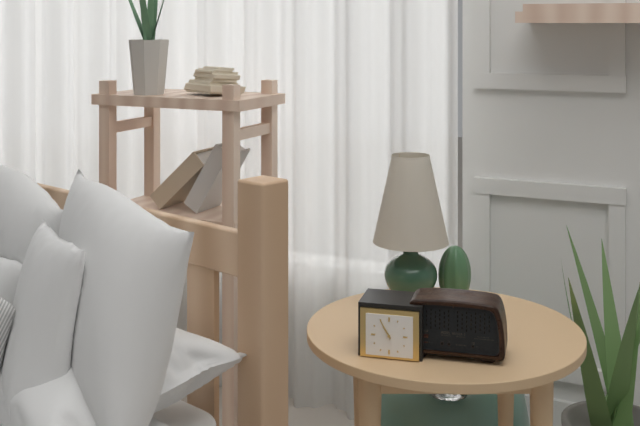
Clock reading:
10 h 55 min
